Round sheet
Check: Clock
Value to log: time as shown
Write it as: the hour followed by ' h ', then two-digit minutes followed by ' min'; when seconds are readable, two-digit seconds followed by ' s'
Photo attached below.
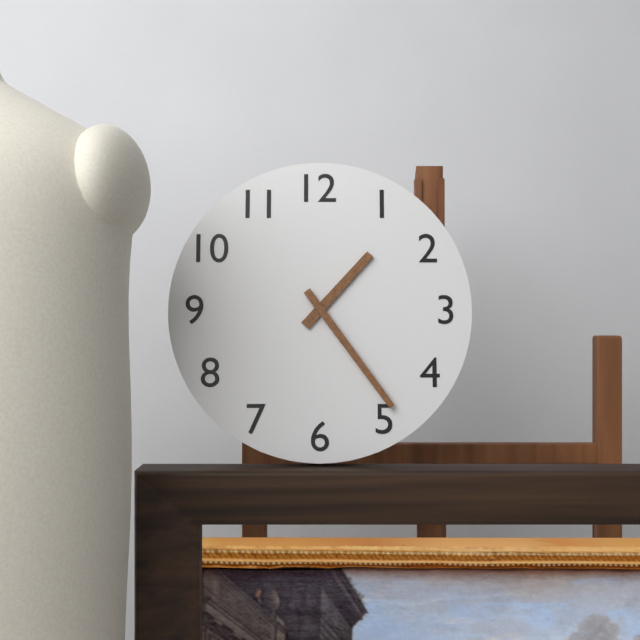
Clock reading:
1 h 24 min
